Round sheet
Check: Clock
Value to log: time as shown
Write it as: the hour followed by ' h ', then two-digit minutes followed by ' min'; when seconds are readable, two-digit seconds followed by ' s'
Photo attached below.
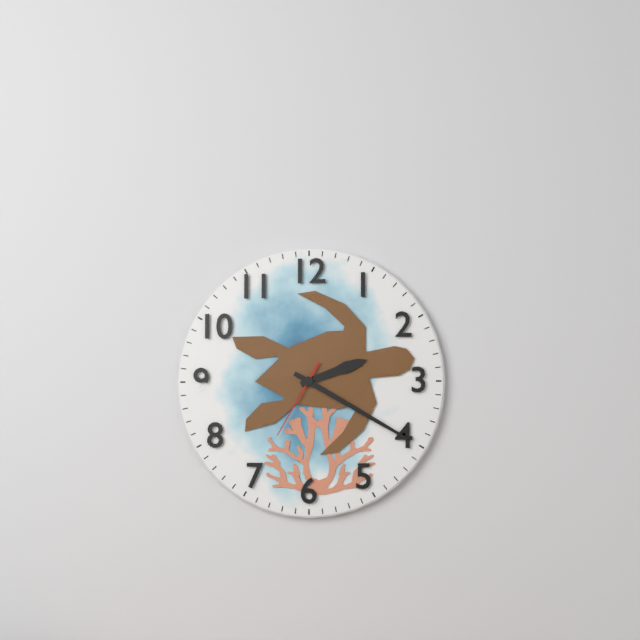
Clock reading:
2 h 20 min 35 s
